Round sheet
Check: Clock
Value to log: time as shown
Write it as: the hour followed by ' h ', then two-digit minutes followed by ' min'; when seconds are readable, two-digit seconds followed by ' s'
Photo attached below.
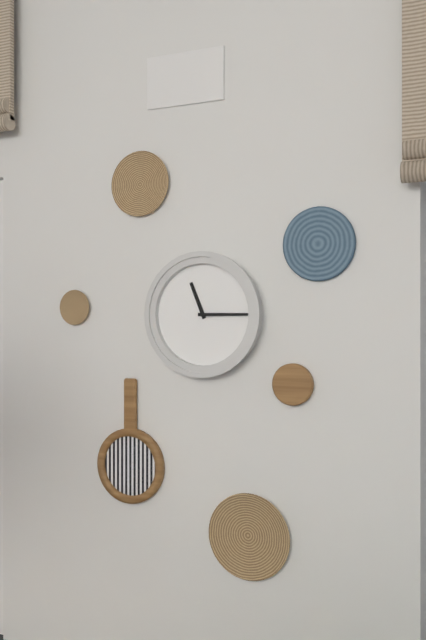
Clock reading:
11 h 15 min
